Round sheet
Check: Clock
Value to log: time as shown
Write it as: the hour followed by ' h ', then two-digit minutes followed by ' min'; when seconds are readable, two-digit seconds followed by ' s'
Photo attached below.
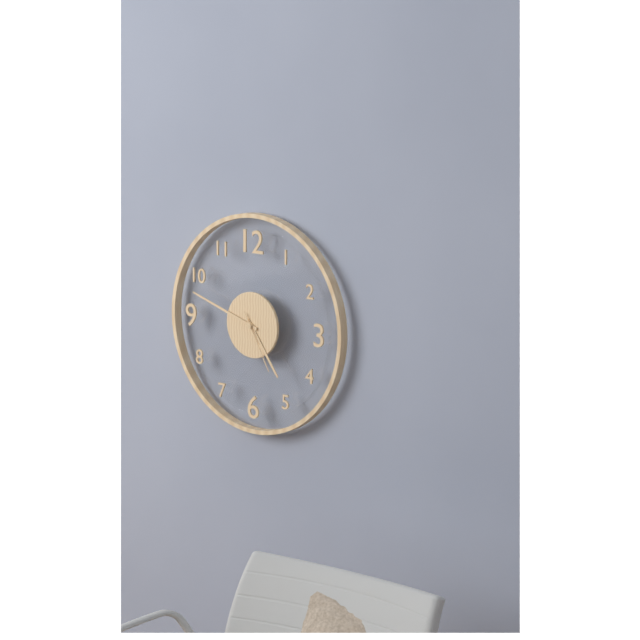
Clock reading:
4 h 48 min 25 s
